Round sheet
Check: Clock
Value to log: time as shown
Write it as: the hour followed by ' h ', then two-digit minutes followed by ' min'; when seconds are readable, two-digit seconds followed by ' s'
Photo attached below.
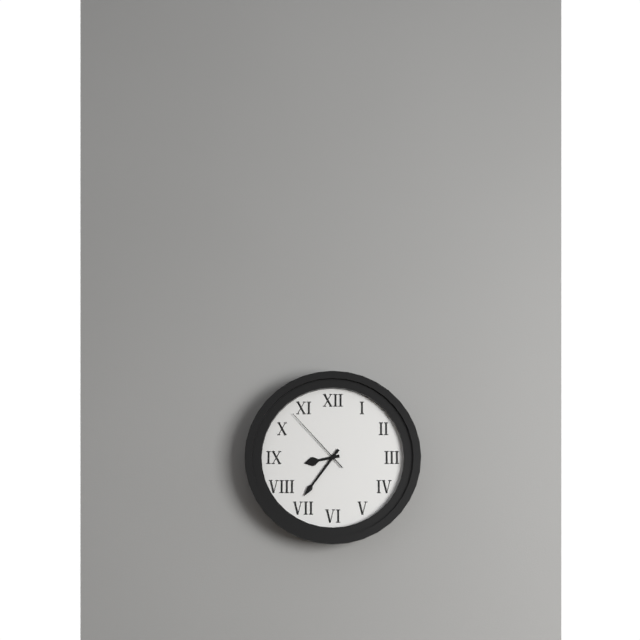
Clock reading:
8 h 36 min 53 s
